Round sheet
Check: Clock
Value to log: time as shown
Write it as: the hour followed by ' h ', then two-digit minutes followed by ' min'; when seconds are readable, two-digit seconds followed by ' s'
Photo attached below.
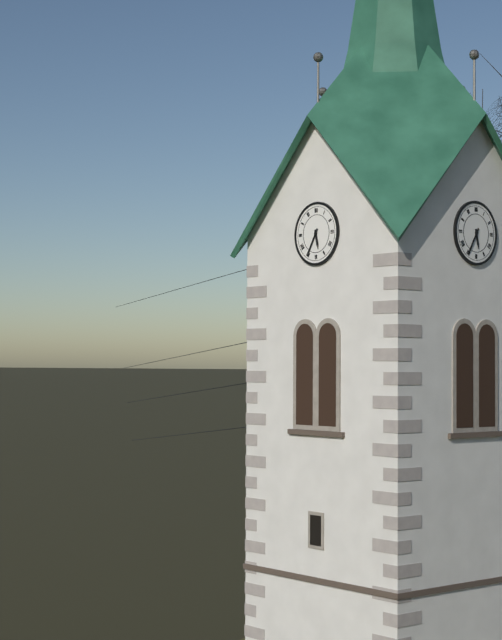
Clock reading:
5 h 35 min
